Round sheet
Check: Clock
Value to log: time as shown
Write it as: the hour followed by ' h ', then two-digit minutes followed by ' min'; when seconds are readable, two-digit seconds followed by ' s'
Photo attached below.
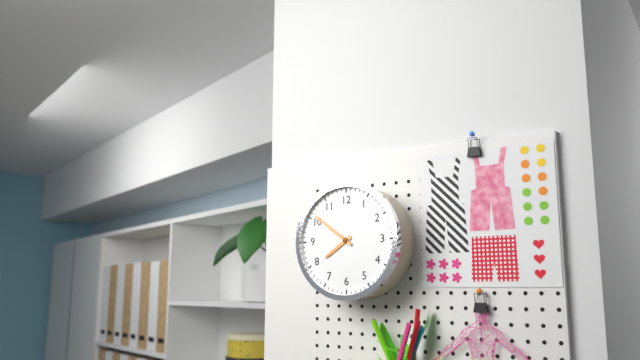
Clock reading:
7 h 51 min
